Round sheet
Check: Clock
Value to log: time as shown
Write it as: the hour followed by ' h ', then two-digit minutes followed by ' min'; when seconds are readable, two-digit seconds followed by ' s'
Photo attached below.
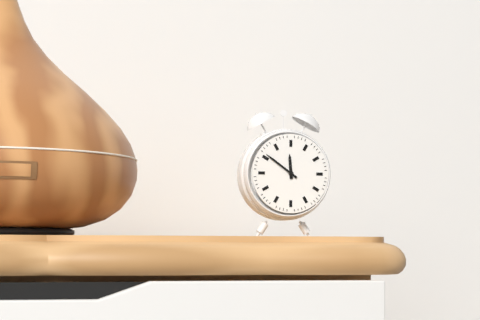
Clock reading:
11 h 51 min
